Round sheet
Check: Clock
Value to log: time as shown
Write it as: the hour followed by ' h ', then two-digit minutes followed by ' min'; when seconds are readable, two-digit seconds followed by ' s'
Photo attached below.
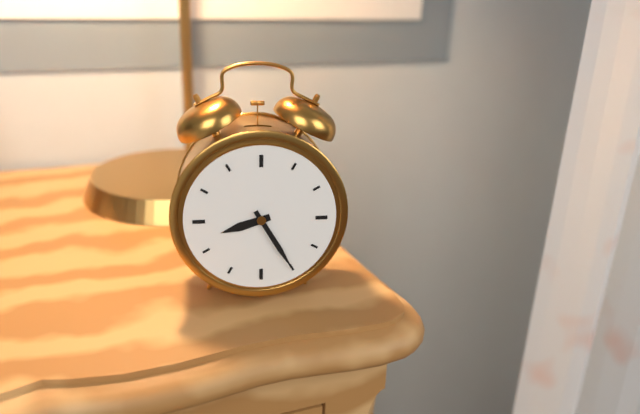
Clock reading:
8 h 25 min
